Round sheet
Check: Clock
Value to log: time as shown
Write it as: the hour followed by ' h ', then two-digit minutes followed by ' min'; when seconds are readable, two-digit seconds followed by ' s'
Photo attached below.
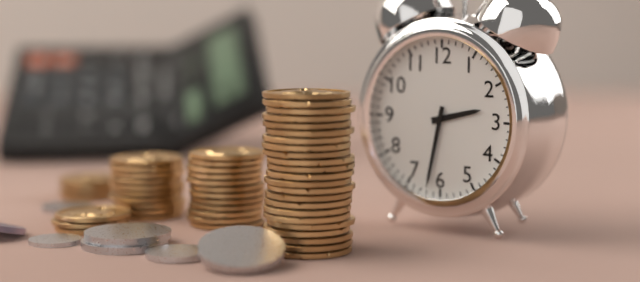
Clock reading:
2 h 32 min
